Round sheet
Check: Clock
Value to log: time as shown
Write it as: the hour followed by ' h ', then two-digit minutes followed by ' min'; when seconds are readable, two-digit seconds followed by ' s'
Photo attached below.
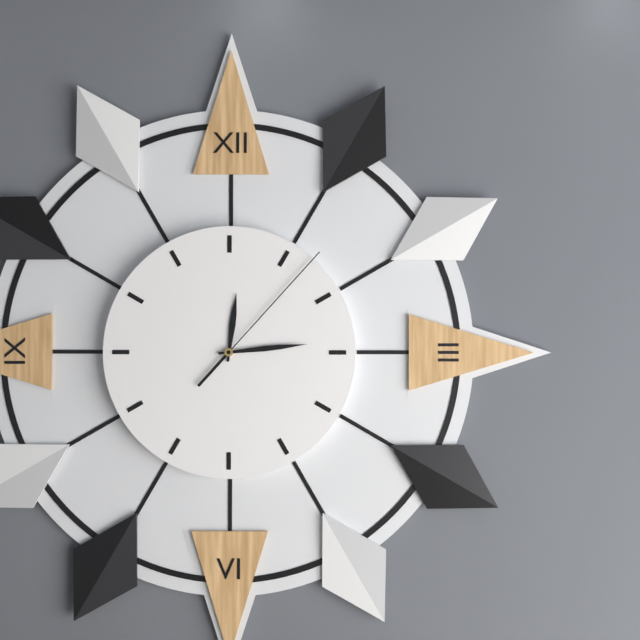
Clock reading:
12 h 14 min 07 s
